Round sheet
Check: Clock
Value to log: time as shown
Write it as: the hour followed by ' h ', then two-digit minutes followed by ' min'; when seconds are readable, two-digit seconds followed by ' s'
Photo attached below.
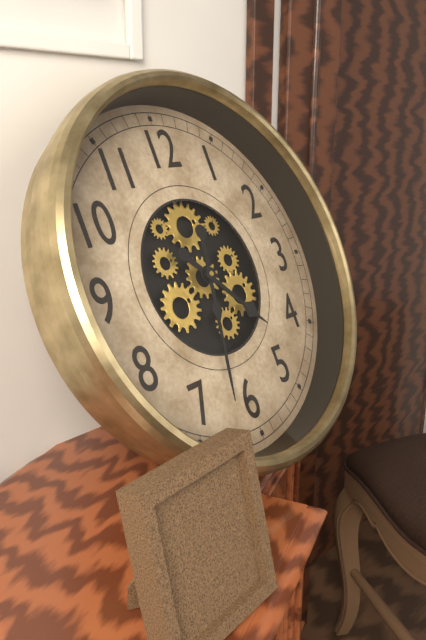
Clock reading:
4 h 32 min
